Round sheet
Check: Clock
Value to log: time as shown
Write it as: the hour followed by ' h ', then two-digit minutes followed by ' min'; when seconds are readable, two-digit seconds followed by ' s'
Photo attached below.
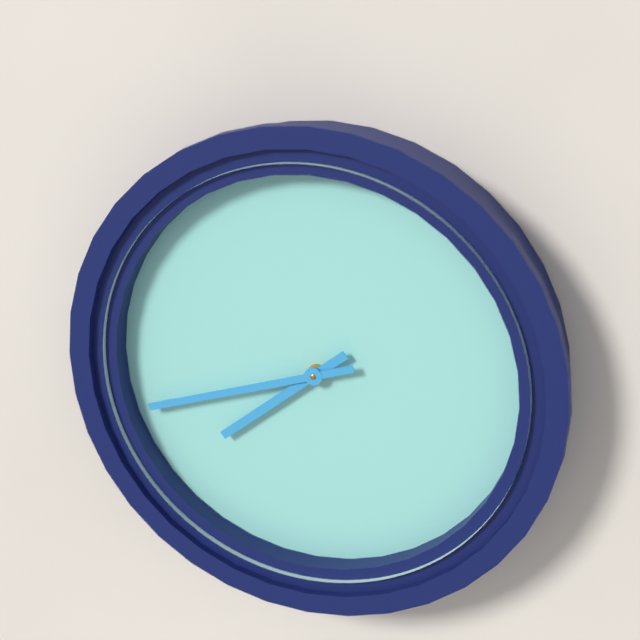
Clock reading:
7 h 42 min
